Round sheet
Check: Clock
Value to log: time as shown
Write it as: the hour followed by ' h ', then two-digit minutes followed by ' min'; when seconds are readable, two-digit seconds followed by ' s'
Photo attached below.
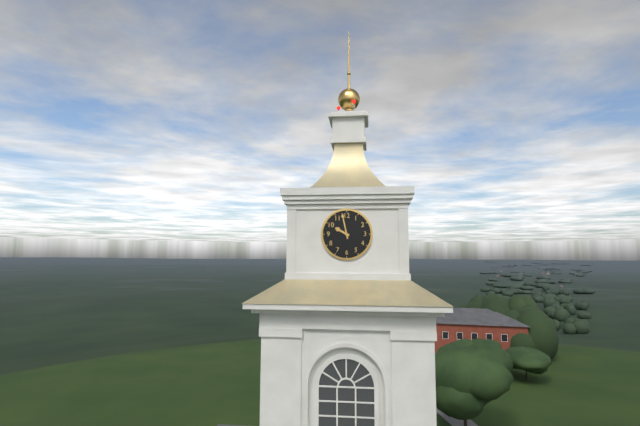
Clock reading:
9 h 58 min
